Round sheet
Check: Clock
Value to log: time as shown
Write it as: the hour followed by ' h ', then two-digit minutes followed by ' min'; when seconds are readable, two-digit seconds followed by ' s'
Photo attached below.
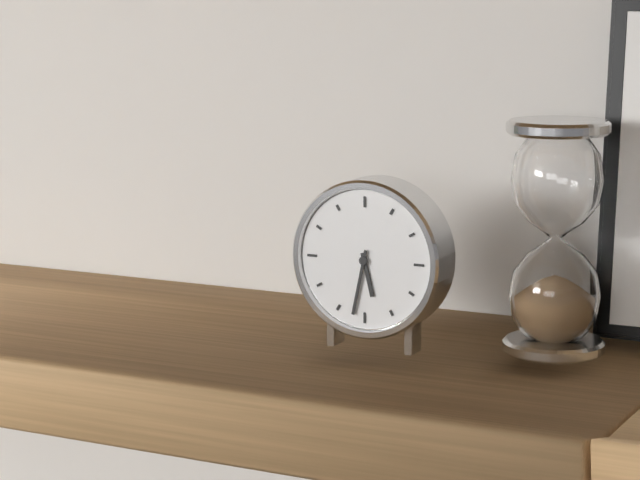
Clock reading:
5 h 32 min
